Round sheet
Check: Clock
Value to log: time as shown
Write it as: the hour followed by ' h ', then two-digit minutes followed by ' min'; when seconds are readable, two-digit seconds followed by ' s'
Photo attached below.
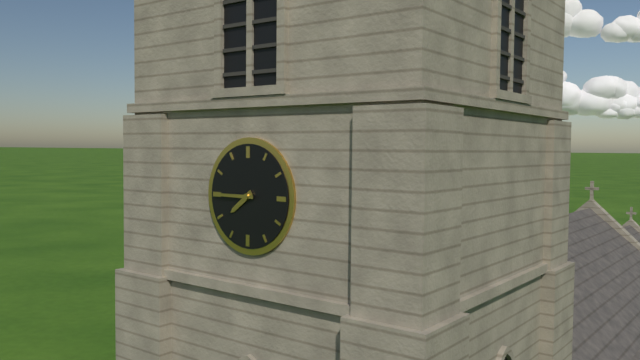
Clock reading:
7 h 45 min
